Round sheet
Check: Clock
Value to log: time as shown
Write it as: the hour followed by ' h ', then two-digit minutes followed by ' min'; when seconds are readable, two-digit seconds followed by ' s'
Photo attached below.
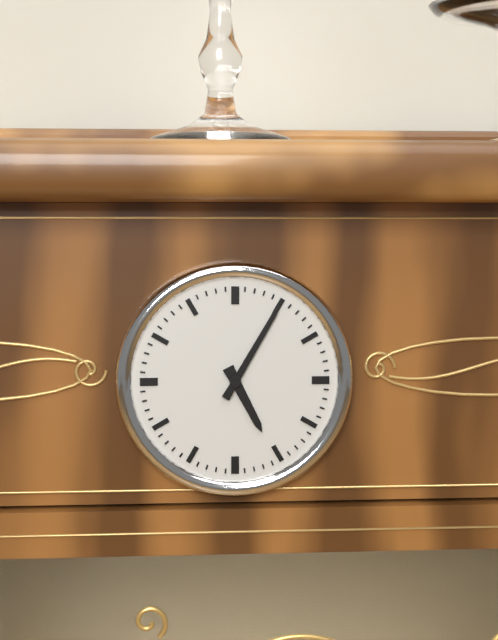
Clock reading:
5 h 05 min
